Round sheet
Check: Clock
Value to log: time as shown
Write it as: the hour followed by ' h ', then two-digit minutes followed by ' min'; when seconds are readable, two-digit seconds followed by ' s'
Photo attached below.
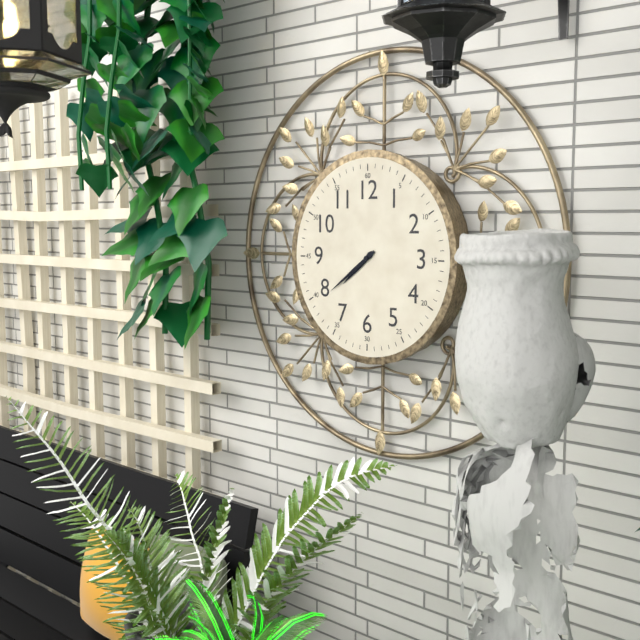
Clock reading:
7 h 39 min
